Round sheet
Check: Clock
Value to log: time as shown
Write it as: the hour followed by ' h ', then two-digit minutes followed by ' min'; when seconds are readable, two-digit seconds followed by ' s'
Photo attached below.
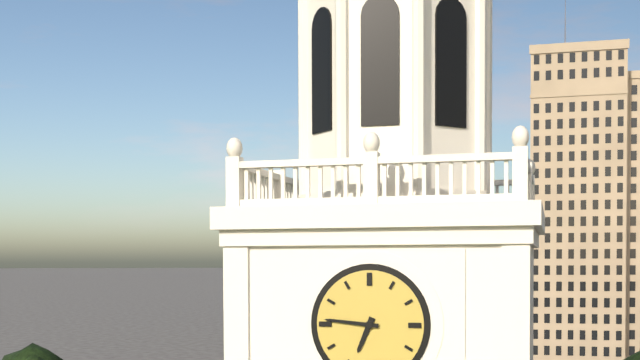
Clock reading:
6 h 46 min
